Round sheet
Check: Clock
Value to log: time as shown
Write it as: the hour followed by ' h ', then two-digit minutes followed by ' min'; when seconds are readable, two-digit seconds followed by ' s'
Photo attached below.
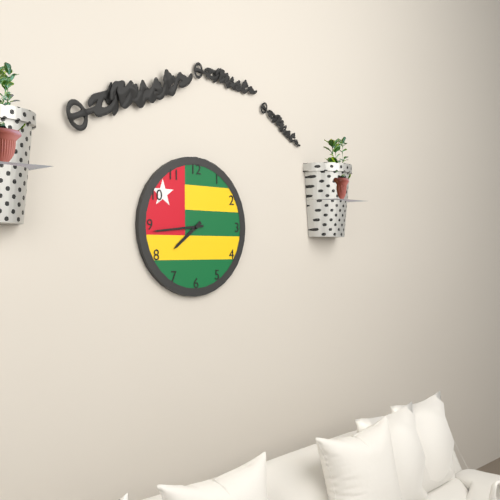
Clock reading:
7 h 44 min
